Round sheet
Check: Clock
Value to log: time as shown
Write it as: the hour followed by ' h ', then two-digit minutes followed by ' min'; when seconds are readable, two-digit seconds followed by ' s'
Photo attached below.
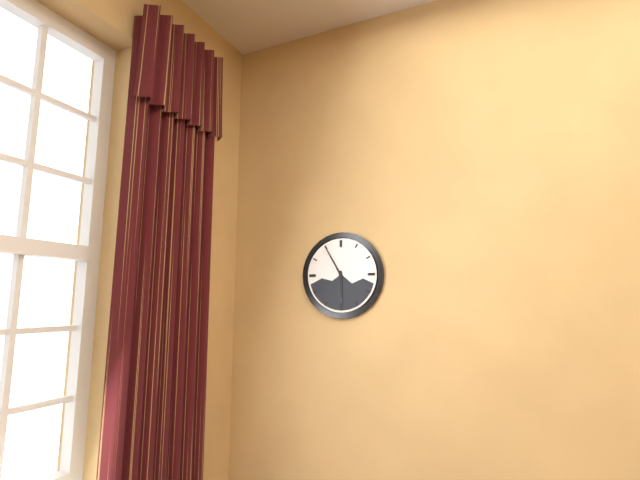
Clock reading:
5 h 55 min
